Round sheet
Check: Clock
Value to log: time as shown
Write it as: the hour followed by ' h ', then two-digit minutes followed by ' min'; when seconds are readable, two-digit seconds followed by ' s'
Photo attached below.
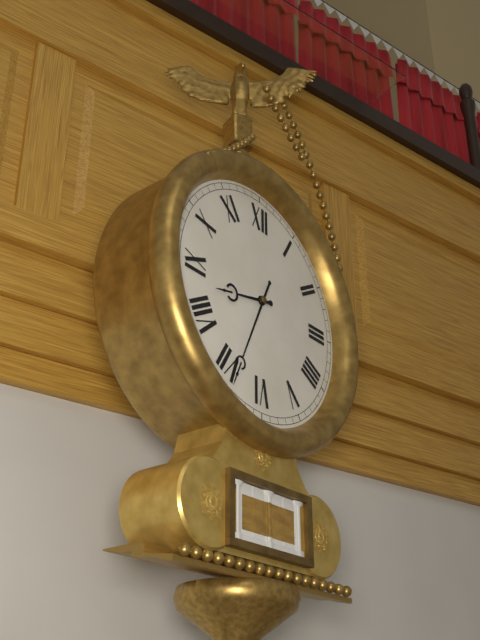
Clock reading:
8 h 34 min
